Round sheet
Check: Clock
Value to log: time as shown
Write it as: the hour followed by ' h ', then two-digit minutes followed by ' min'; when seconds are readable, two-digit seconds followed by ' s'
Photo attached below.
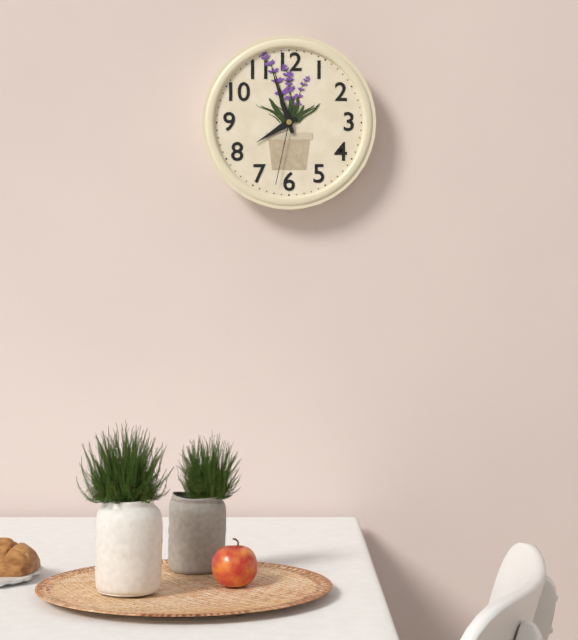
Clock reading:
7 h 57 min 32 s
